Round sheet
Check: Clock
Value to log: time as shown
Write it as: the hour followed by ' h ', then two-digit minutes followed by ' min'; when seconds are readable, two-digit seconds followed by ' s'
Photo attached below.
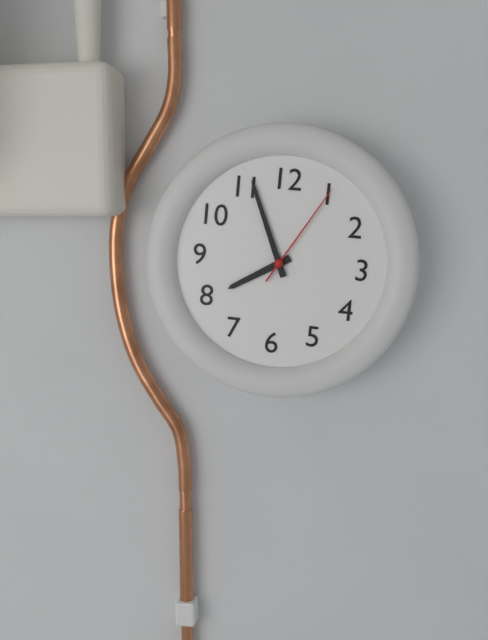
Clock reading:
7 h 56 min 05 s
